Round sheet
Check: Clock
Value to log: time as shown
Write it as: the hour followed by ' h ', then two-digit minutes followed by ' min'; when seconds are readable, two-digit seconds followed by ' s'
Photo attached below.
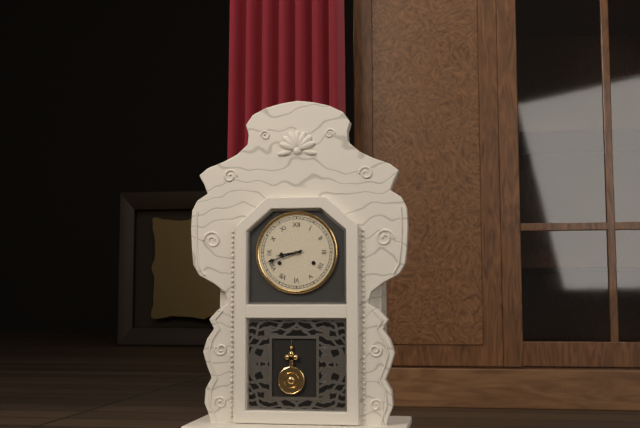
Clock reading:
8 h 42 min
